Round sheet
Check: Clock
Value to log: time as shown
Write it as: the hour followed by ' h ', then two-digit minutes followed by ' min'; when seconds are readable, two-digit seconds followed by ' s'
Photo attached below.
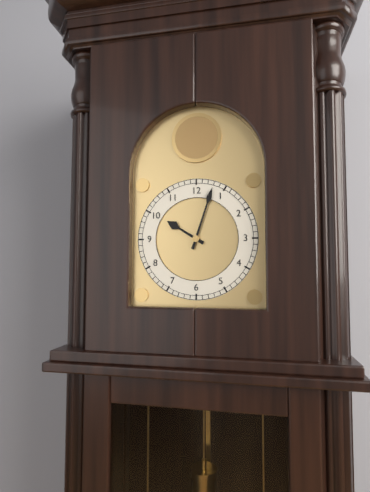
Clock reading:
10 h 03 min
